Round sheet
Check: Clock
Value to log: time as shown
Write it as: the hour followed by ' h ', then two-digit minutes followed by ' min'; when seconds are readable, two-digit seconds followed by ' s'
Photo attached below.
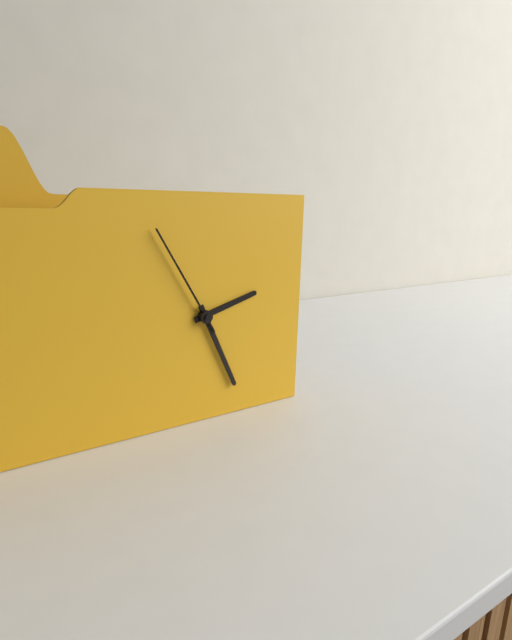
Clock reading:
2 h 26 min 55 s
